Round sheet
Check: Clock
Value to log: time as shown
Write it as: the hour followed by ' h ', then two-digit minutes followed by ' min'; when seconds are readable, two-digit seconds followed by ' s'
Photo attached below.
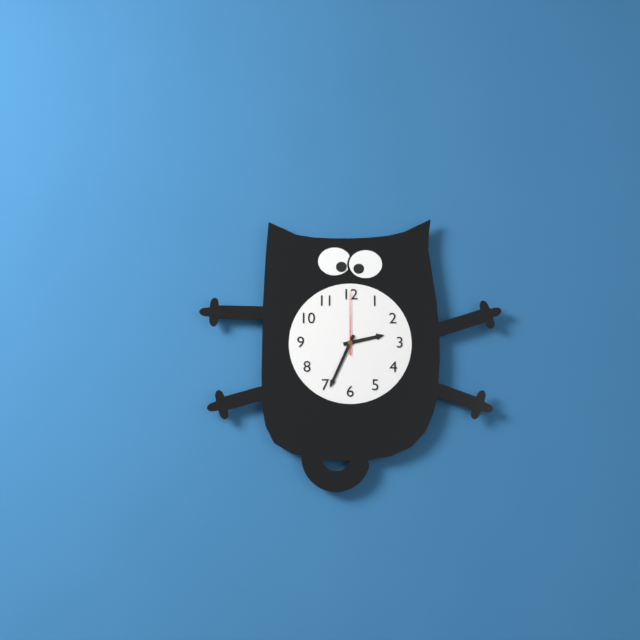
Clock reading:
2 h 34 min 00 s
